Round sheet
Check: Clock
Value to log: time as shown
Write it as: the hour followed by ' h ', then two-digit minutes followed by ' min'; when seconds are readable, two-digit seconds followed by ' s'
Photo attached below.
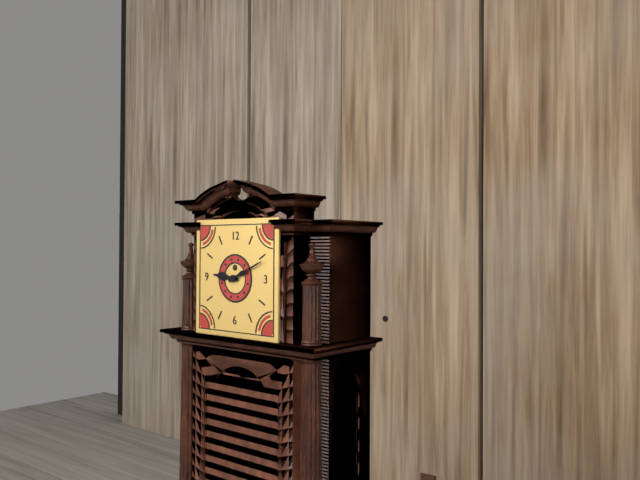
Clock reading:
9 h 11 min
